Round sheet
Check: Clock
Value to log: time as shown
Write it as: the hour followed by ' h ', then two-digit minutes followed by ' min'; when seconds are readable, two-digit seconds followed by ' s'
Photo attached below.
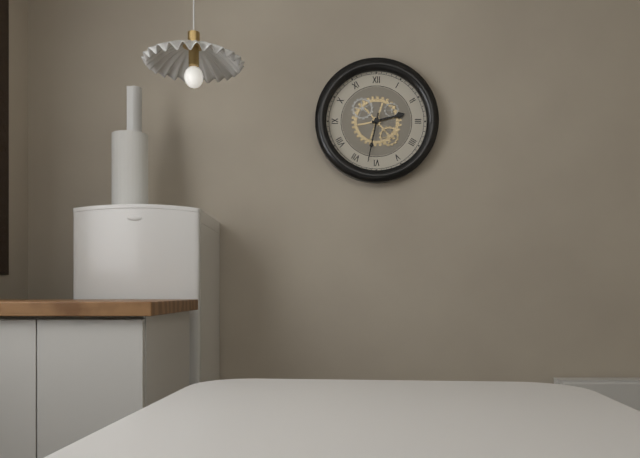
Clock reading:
2 h 32 min
